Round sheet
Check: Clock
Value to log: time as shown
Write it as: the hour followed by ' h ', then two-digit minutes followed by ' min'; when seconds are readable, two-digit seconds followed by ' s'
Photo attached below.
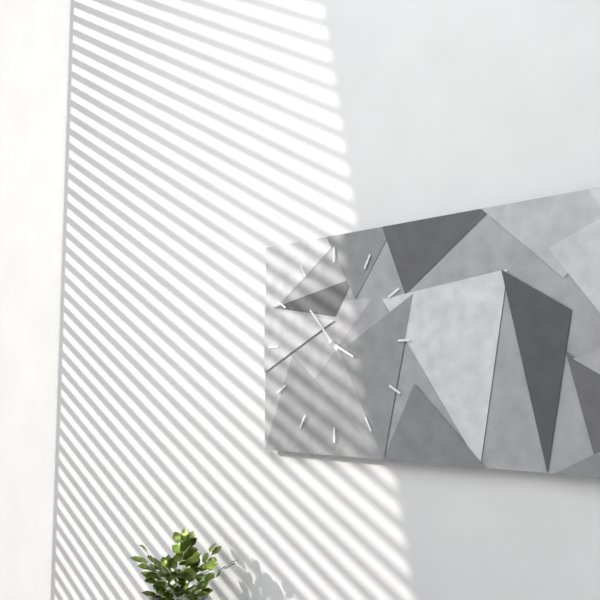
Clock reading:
3 h 53 min
